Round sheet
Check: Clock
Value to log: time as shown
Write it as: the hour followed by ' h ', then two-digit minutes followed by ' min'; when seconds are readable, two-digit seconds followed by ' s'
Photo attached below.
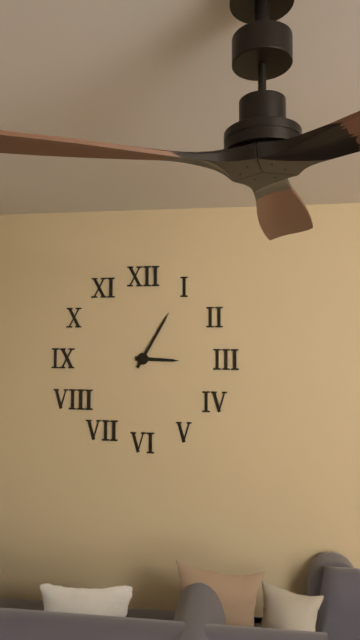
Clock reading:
3 h 05 min
